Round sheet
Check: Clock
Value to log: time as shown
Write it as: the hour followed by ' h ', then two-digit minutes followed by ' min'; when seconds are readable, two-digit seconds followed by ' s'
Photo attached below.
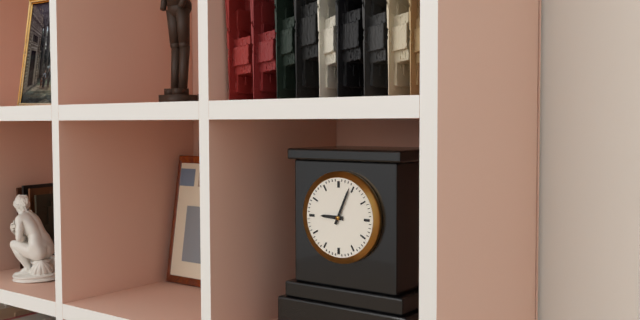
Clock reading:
9 h 04 min
